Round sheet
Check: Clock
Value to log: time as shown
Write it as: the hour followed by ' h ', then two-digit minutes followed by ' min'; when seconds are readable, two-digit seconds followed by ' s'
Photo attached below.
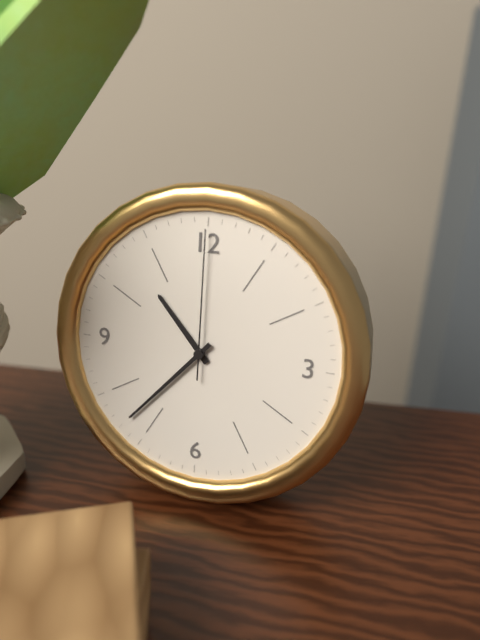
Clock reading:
10 h 37 min 00 s
